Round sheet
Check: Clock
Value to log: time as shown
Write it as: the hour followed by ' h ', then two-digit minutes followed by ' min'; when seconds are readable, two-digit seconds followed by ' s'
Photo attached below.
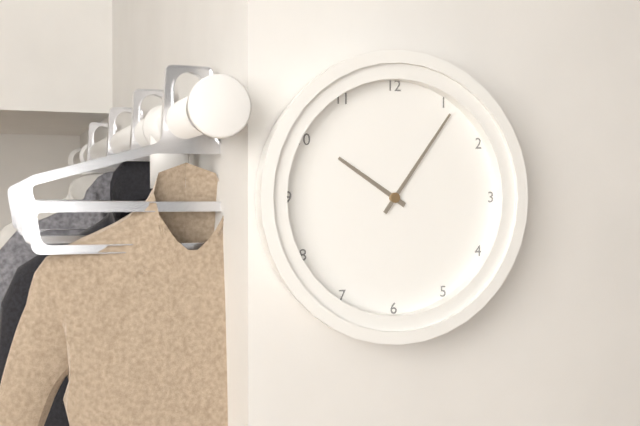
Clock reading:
10 h 06 min
